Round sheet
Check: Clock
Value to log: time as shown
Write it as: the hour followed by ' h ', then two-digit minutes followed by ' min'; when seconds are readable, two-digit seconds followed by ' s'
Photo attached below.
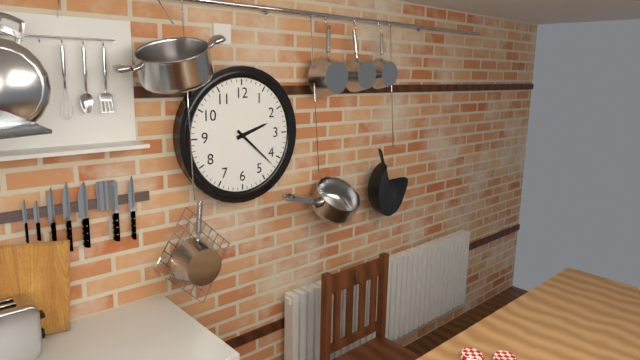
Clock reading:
2 h 22 min
